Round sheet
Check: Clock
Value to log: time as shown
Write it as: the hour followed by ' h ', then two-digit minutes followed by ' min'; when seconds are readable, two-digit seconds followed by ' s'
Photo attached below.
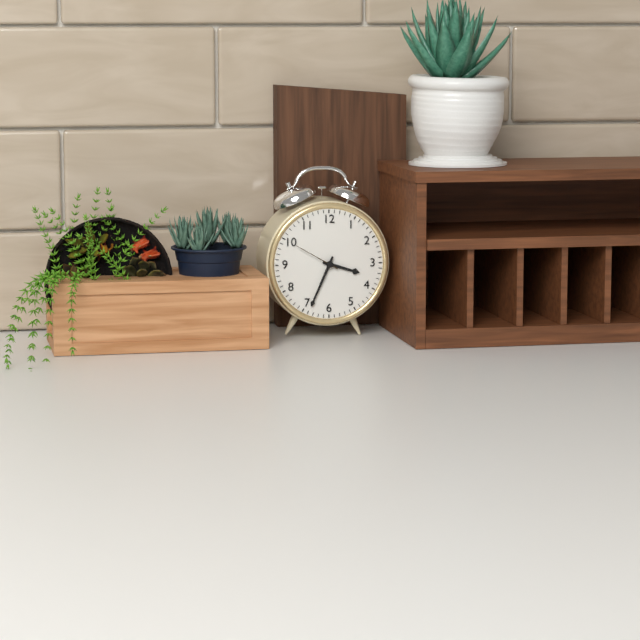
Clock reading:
3 h 34 min
